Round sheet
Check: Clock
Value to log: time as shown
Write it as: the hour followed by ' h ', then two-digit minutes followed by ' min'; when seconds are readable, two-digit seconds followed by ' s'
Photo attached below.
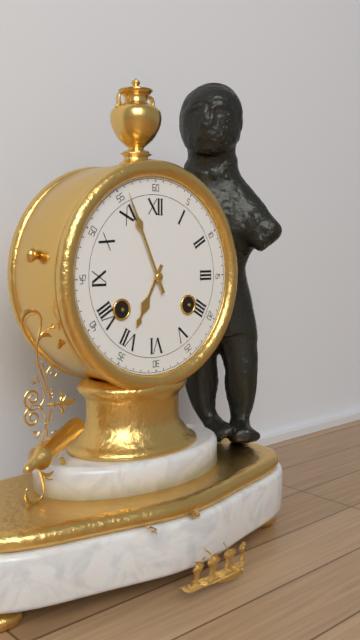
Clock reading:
6 h 56 min
